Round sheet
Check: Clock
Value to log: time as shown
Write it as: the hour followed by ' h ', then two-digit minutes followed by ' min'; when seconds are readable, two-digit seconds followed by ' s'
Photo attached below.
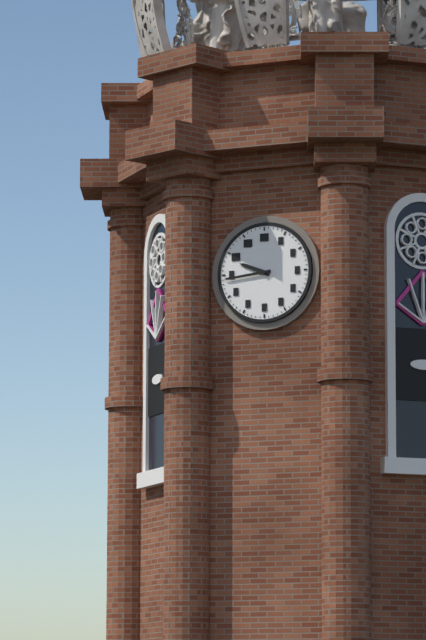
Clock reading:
9 h 44 min
